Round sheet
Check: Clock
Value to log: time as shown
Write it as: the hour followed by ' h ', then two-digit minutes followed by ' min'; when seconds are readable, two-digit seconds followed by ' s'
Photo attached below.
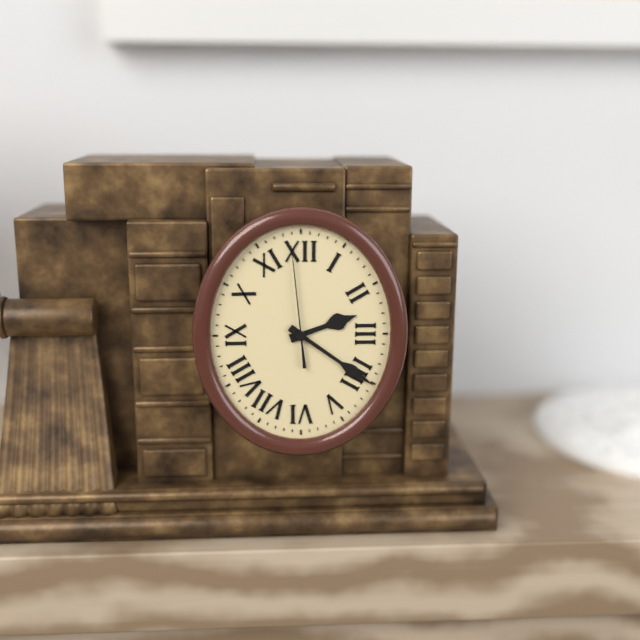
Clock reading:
2 h 21 min 59 s
